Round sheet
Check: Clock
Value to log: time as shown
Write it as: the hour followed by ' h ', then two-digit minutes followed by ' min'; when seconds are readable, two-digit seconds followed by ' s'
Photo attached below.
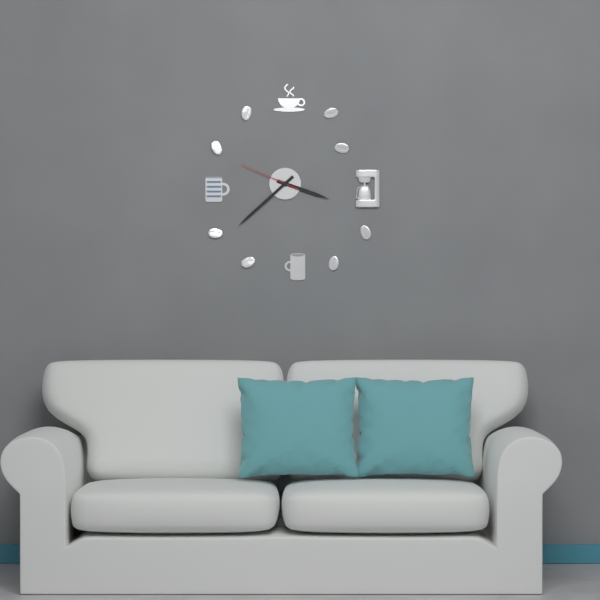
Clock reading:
3 h 38 min 49 s
